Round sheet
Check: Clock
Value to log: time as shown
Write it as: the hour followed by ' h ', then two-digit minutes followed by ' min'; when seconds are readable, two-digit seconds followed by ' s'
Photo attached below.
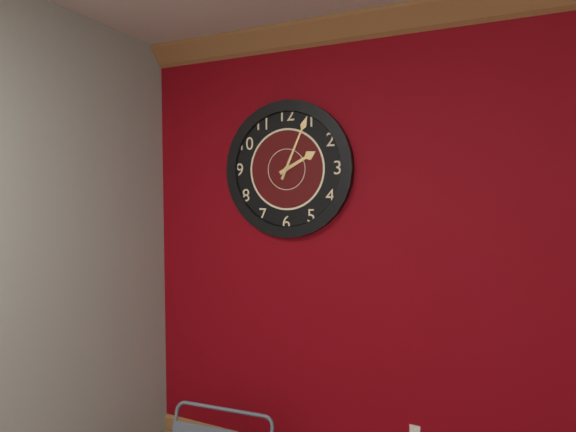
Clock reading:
2 h 04 min
